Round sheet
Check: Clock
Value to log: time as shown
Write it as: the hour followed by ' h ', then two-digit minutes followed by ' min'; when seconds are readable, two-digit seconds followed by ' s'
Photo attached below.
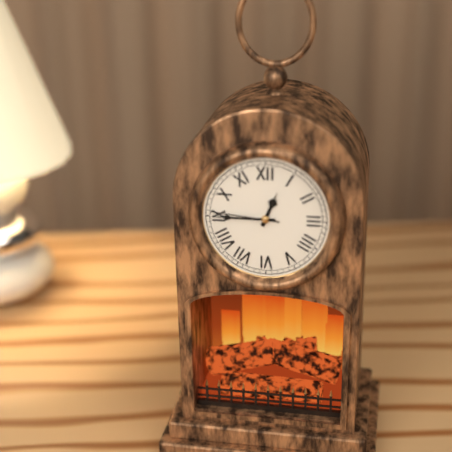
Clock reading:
12 h 45 min 46 s
